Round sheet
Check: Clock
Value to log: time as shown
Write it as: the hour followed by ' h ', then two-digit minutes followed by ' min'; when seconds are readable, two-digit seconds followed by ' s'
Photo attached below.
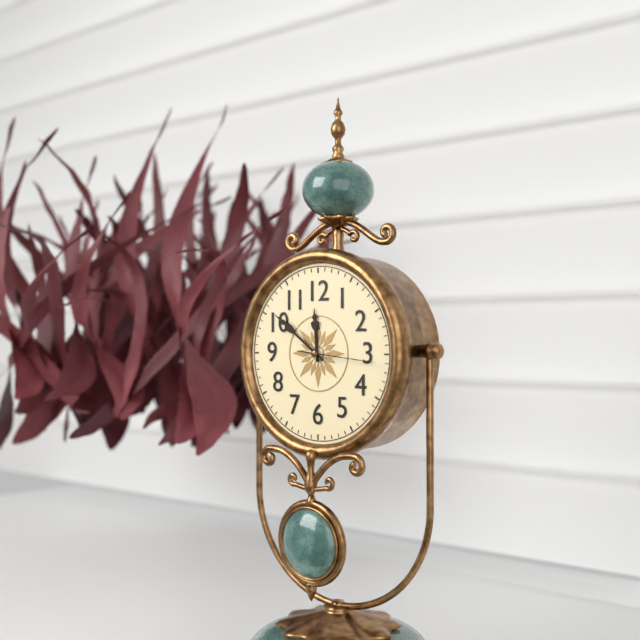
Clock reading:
11 h 51 min 16 s
